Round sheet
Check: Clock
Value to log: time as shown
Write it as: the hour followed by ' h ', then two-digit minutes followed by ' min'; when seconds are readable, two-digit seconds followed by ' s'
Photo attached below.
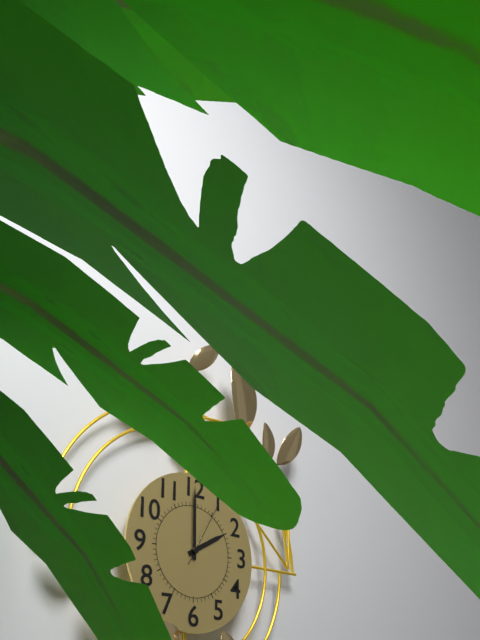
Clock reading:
2 h 00 min 05 s
